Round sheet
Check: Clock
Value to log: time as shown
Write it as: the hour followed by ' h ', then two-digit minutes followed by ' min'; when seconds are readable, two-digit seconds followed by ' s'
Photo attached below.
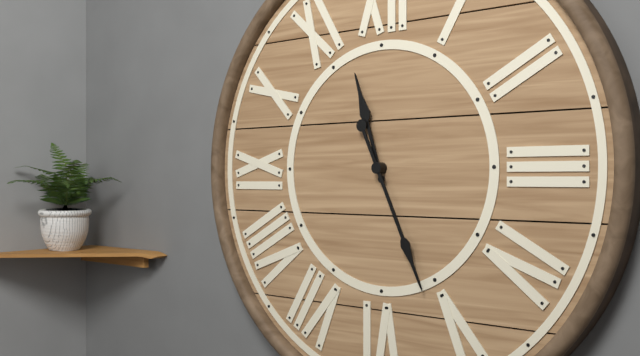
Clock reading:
11 h 26 min
